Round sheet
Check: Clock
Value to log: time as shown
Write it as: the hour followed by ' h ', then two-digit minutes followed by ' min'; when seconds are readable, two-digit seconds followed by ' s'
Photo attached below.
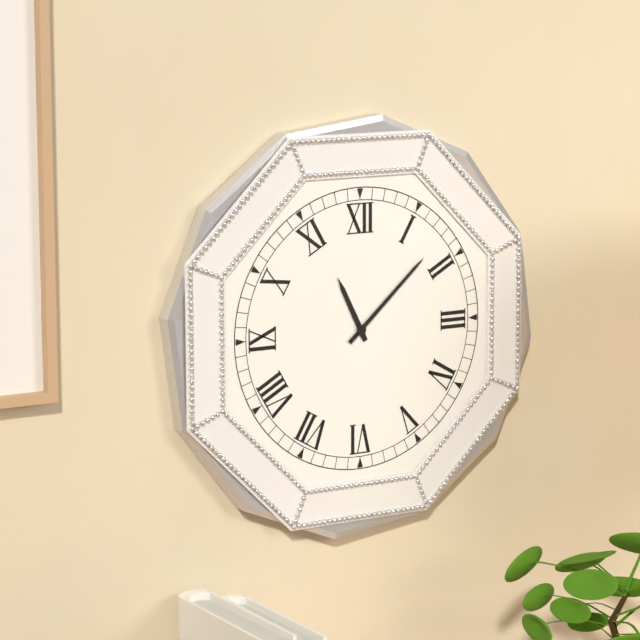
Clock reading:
11 h 08 min
